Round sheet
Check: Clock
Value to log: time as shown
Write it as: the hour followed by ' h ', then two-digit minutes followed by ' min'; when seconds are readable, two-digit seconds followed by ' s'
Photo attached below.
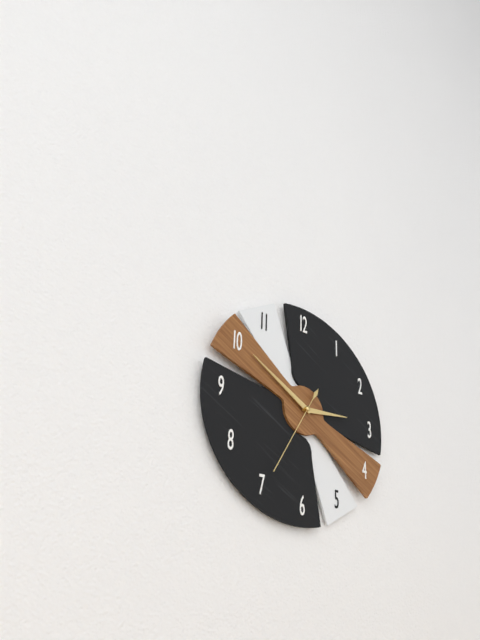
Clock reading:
2 h 50 min 35 s
